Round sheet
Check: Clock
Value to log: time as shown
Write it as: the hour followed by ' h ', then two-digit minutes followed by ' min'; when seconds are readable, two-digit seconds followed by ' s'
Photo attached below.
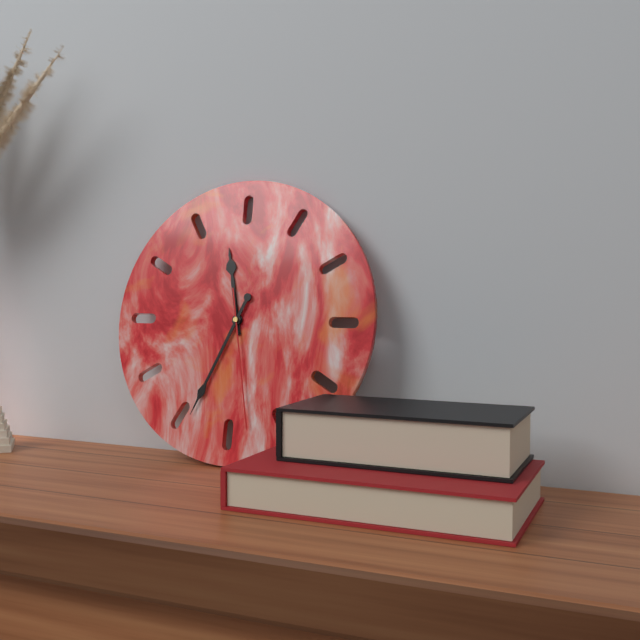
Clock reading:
11 h 34 min 28 s
